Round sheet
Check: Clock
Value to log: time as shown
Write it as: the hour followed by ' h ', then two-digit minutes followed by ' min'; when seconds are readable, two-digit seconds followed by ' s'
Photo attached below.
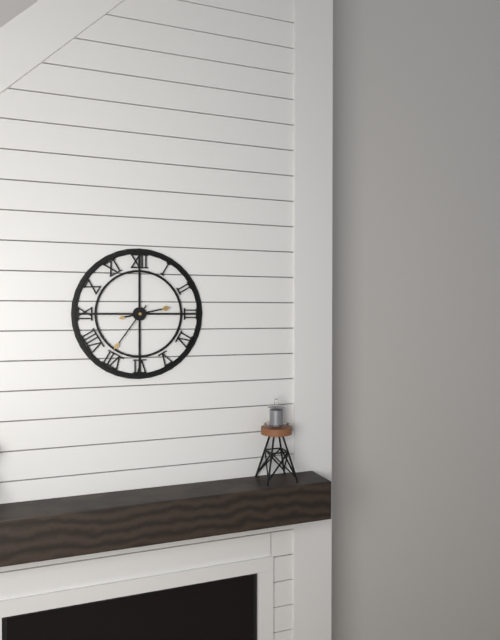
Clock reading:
2 h 36 min
